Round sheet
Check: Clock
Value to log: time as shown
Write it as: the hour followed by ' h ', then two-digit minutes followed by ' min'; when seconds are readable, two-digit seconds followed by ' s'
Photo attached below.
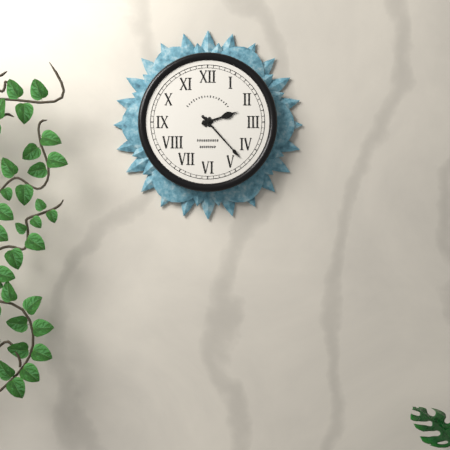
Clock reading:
2 h 23 min
